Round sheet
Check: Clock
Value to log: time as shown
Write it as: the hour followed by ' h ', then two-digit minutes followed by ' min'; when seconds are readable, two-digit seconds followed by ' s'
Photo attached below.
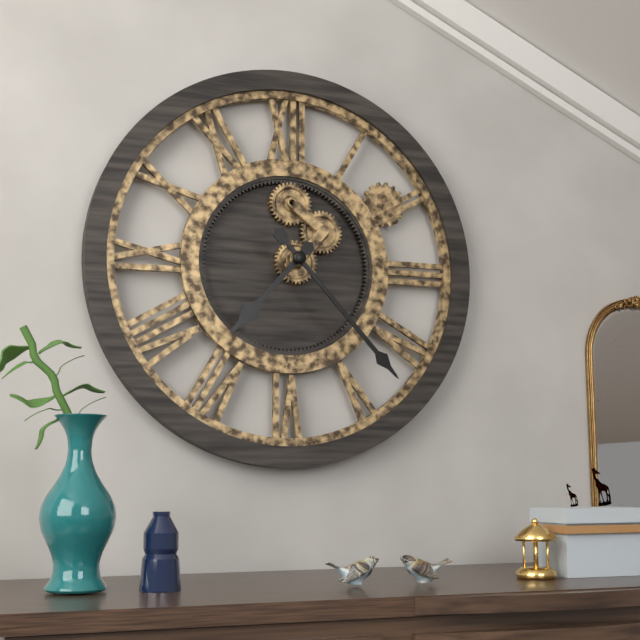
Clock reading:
7 h 23 min
